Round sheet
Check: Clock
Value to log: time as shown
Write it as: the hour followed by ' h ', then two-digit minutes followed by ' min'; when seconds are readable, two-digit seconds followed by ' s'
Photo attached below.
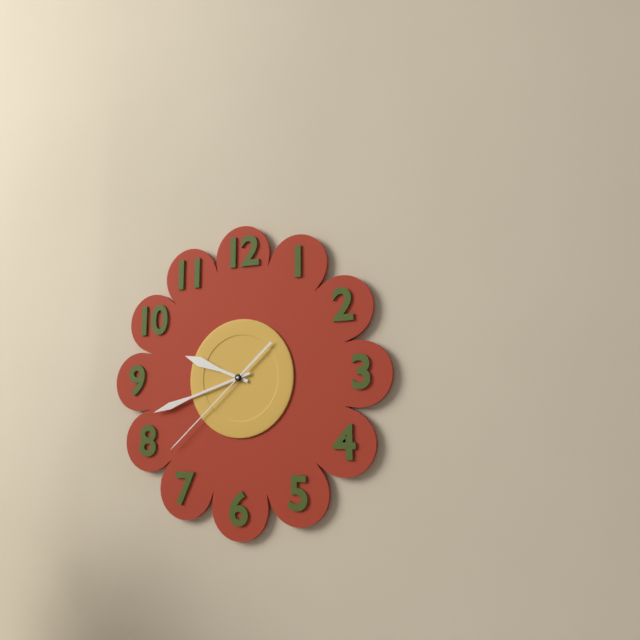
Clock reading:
9 h 42 min 38 s
